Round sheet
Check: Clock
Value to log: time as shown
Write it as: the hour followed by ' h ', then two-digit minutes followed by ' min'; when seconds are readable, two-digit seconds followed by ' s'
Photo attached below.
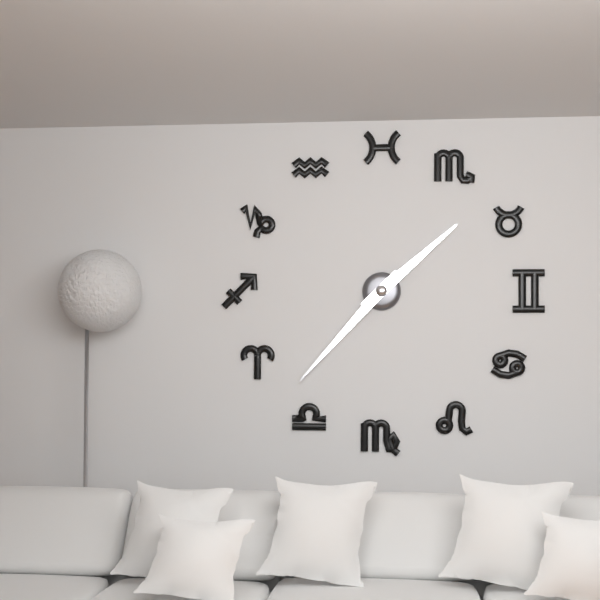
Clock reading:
1 h 37 min
